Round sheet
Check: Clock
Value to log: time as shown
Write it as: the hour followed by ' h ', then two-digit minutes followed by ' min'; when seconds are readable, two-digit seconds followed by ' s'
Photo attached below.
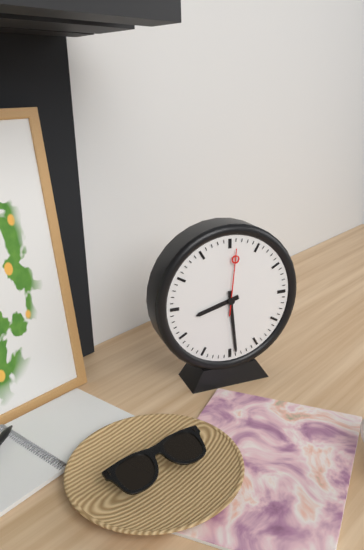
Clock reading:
8 h 29 min 01 s
